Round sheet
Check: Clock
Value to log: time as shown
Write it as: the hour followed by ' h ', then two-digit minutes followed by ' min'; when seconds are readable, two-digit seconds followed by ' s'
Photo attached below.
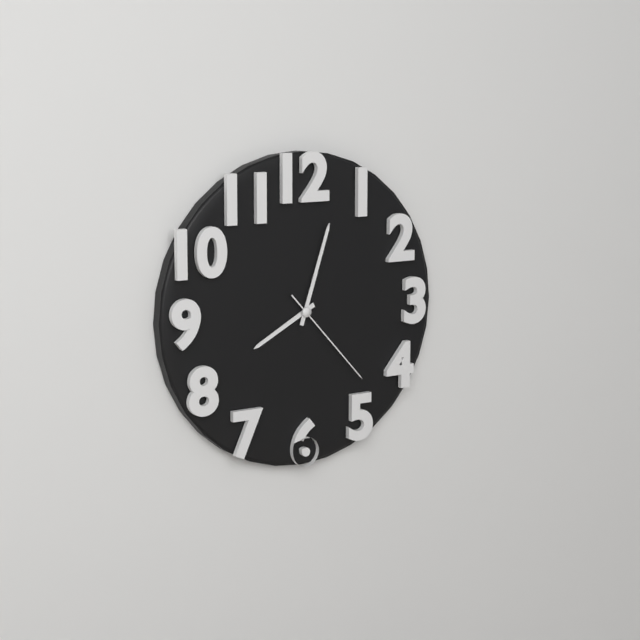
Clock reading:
8 h 03 min 23 s
